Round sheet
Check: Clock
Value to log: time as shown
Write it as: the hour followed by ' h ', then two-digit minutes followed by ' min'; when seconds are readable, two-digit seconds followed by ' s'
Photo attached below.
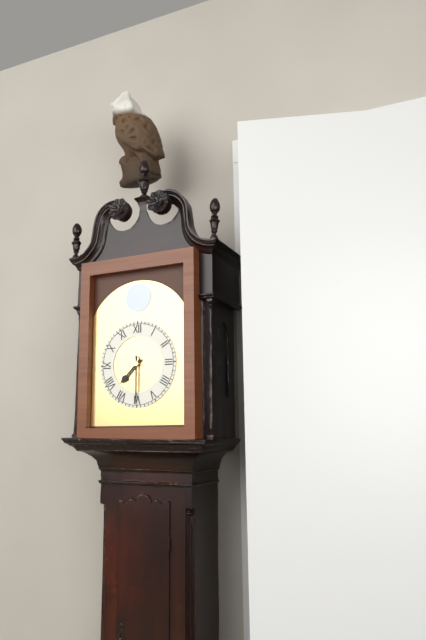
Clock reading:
7 h 30 min
